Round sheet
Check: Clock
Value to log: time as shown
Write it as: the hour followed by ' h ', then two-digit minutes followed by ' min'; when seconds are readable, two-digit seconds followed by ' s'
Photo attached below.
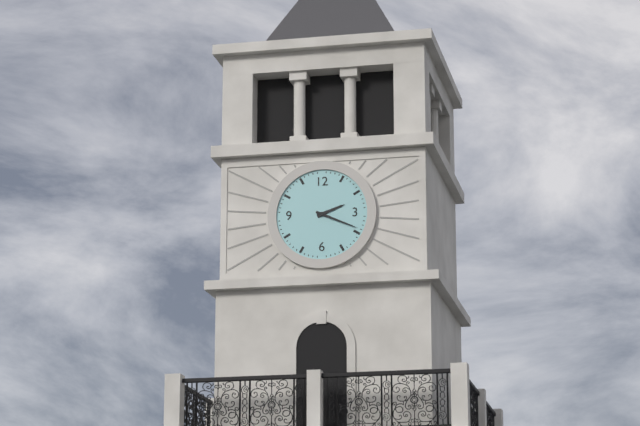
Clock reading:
2 h 19 min
